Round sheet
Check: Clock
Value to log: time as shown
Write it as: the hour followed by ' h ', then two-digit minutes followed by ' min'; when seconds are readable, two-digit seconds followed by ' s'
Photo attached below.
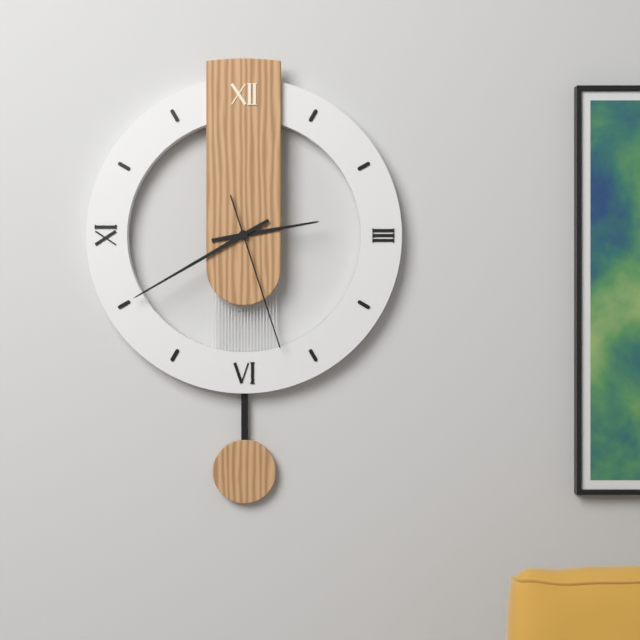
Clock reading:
2 h 40 min 27 s
